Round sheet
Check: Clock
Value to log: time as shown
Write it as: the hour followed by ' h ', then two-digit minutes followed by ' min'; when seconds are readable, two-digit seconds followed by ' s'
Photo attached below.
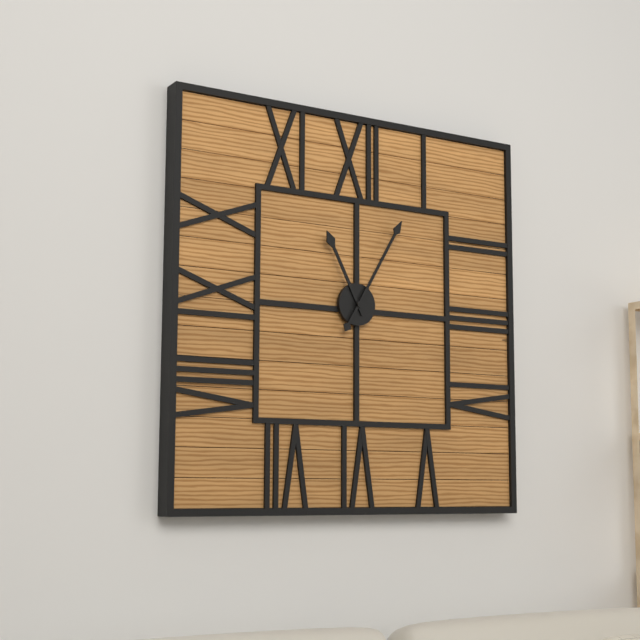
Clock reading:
11 h 05 min
